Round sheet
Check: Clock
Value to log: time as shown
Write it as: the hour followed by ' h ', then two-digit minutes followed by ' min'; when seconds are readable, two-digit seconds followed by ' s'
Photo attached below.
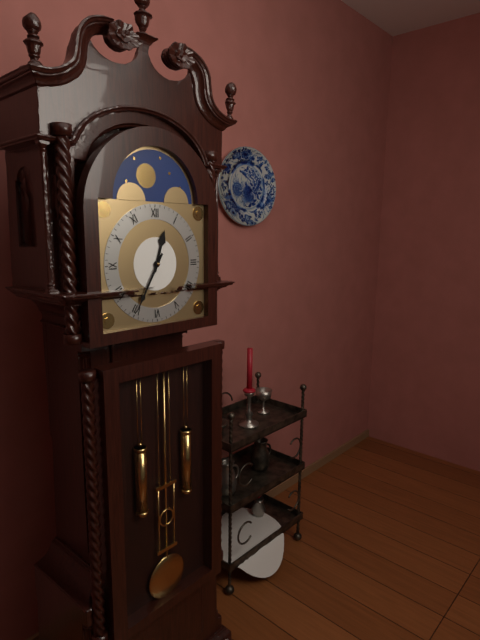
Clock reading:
12 h 35 min
